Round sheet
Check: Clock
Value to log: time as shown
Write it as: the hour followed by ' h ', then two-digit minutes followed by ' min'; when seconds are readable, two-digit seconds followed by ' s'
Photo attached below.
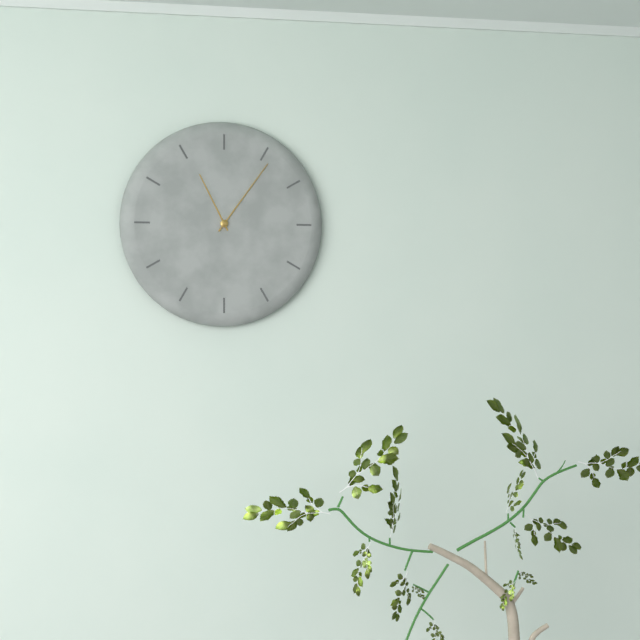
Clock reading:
11 h 06 min
